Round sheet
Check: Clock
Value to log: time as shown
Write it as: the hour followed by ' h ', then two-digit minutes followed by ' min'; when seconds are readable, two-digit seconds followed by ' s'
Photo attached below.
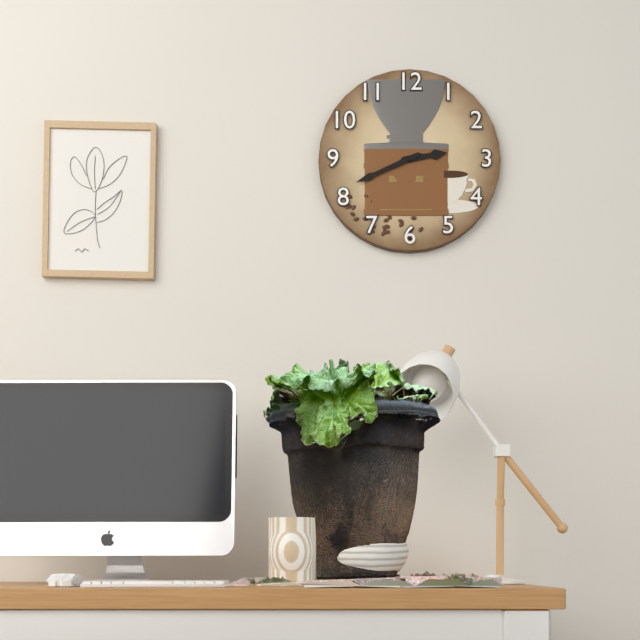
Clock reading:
2 h 41 min
